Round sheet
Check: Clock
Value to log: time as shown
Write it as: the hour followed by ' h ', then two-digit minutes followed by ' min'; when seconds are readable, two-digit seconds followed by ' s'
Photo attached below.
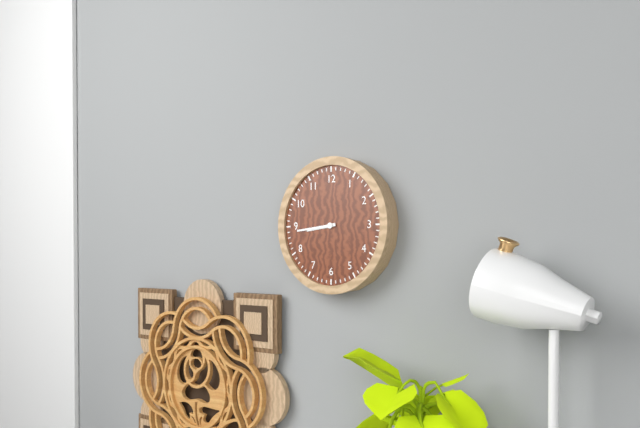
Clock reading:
8 h 44 min
